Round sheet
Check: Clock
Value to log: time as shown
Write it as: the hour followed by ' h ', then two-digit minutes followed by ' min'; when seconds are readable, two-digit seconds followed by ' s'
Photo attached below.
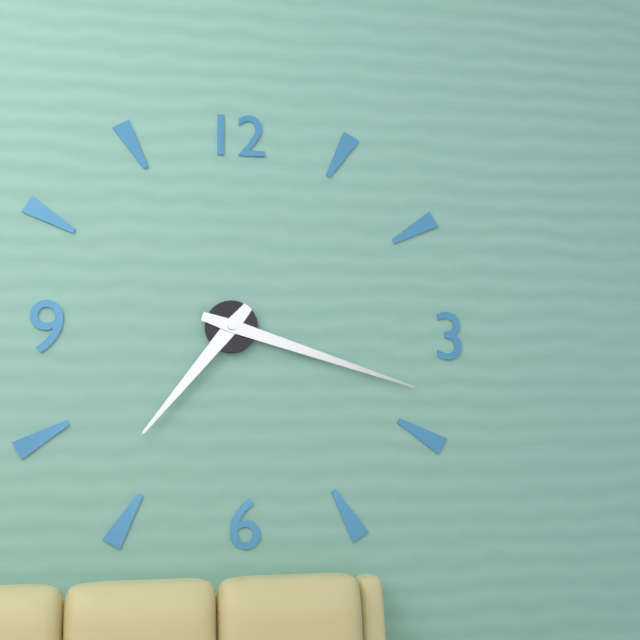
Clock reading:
7 h 18 min
